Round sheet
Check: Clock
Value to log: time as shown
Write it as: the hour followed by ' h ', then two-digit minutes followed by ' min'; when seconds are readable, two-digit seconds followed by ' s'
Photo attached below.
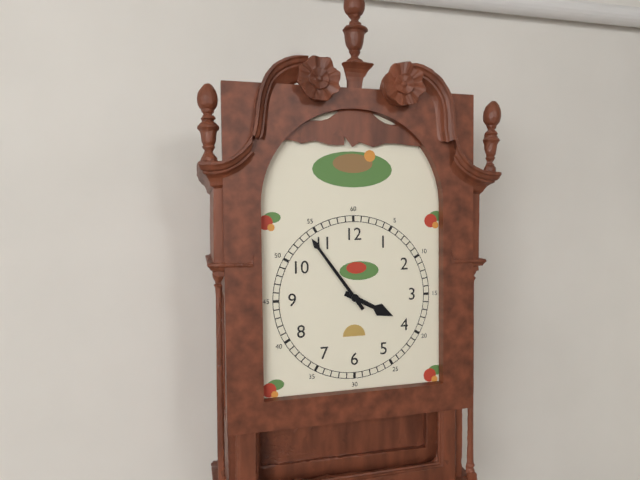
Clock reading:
3 h 54 min
